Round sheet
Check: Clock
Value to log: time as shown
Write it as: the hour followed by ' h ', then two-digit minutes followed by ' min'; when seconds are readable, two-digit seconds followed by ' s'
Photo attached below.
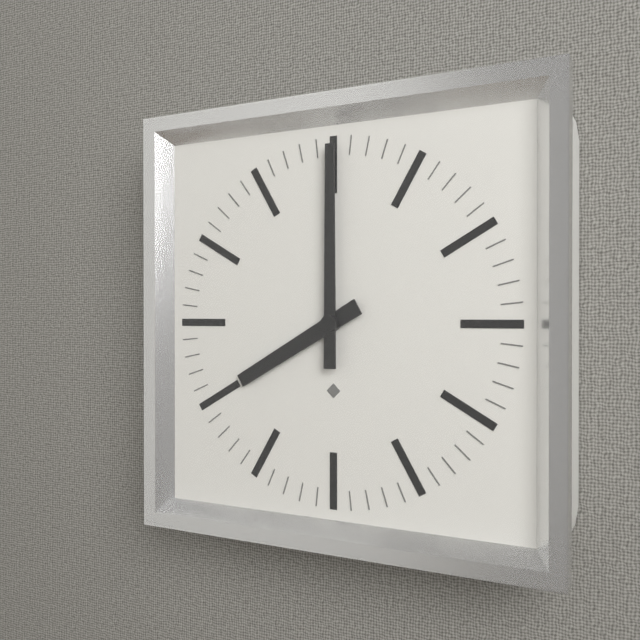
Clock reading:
8 h 00 min
